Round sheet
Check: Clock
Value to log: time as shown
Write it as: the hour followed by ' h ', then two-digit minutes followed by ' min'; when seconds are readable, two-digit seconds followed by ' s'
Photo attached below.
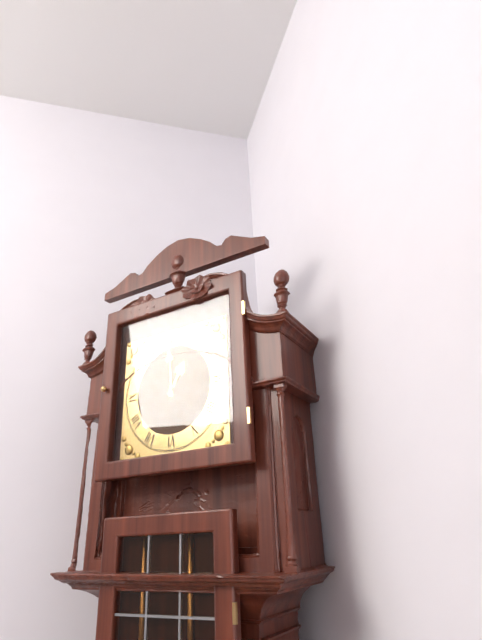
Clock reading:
12 h 59 min
